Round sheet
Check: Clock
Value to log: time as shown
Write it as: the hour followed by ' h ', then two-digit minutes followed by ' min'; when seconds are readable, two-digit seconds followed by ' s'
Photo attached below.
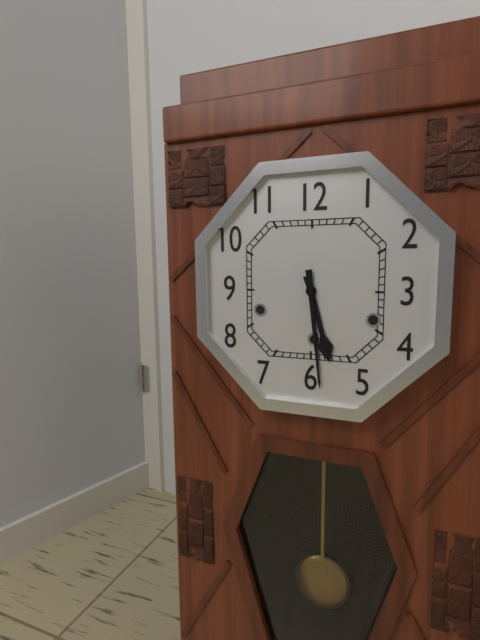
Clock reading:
5 h 29 min
